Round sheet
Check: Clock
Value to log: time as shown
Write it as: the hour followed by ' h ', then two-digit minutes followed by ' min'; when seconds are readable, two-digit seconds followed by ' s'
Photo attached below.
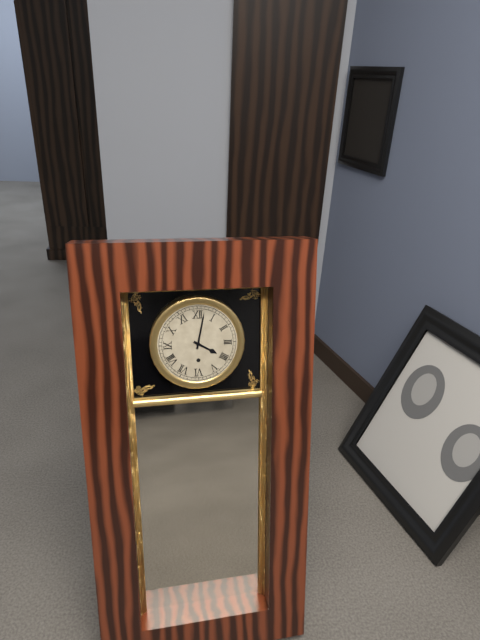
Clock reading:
4 h 02 min
